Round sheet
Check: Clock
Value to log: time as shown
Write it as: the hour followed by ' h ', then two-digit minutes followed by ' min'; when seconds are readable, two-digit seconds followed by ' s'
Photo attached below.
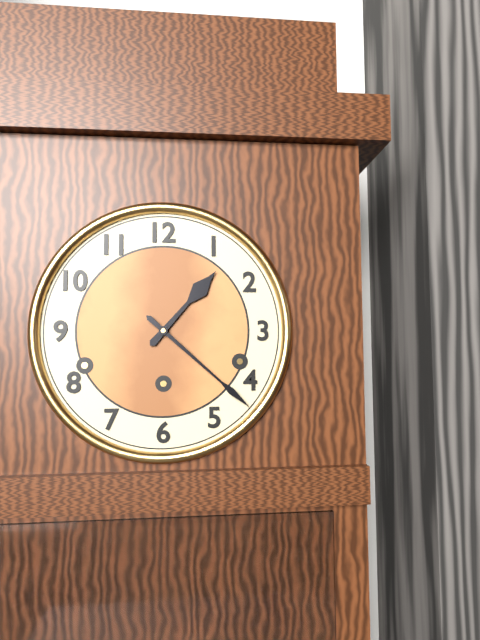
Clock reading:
1 h 22 min
